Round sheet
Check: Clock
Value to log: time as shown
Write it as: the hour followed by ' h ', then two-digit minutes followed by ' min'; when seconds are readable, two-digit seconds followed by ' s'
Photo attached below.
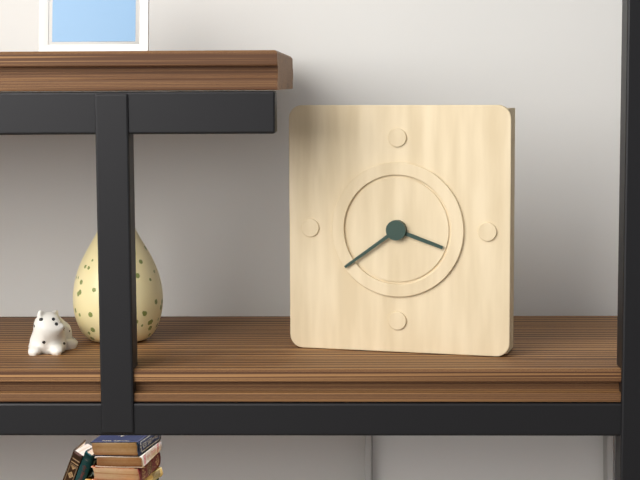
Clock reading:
3 h 39 min
